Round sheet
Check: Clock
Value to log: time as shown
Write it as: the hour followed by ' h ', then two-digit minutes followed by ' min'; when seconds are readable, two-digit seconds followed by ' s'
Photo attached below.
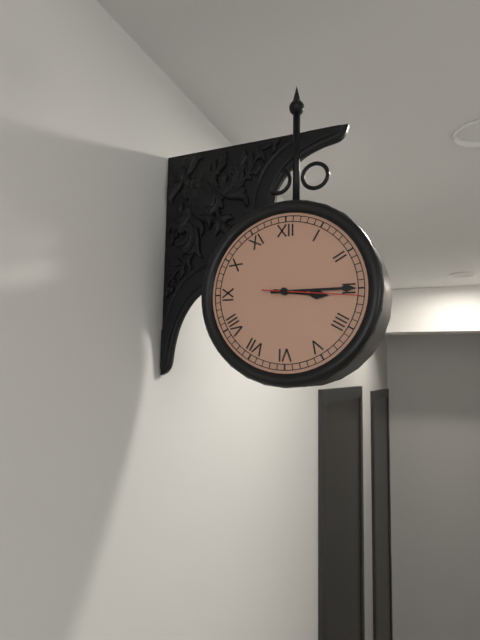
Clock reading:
3 h 15 min 16 s
